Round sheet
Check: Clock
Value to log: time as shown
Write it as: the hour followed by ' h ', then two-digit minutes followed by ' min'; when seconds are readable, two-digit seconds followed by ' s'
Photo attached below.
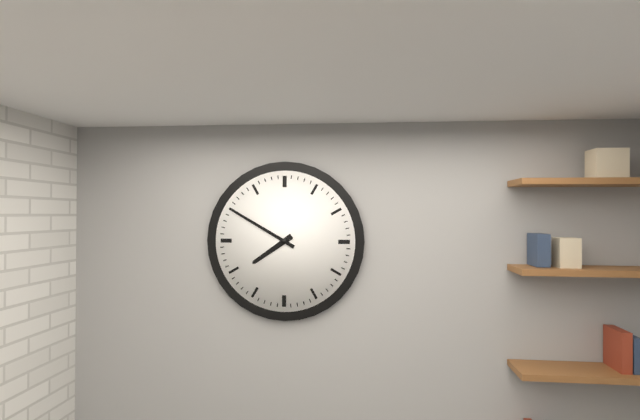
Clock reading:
7 h 50 min
